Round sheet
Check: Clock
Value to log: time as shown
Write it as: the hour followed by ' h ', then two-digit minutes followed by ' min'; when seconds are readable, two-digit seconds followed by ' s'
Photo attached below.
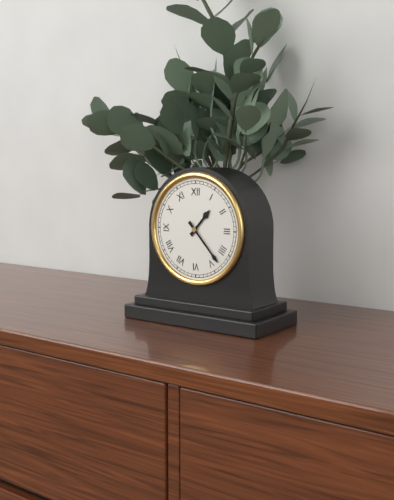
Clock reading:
1 h 23 min
